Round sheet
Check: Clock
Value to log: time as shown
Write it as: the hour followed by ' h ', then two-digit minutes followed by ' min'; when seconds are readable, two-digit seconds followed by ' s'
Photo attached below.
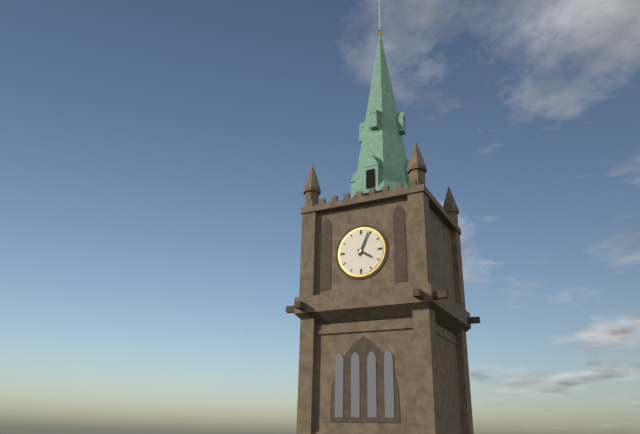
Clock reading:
4 h 04 min
